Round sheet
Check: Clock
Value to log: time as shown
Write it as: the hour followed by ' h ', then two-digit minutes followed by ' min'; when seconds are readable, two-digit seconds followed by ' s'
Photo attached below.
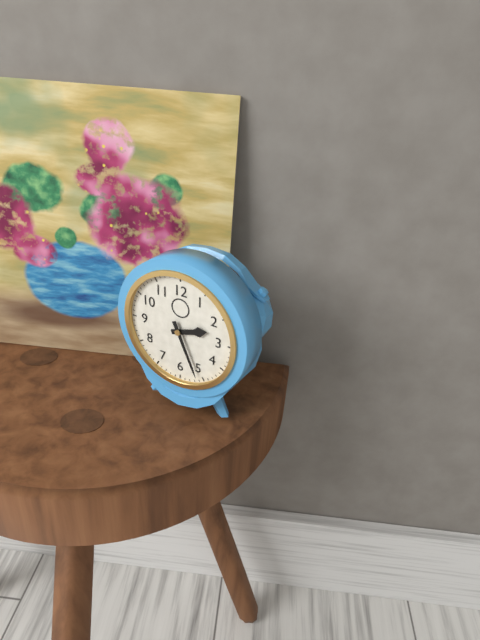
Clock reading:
2 h 26 min
